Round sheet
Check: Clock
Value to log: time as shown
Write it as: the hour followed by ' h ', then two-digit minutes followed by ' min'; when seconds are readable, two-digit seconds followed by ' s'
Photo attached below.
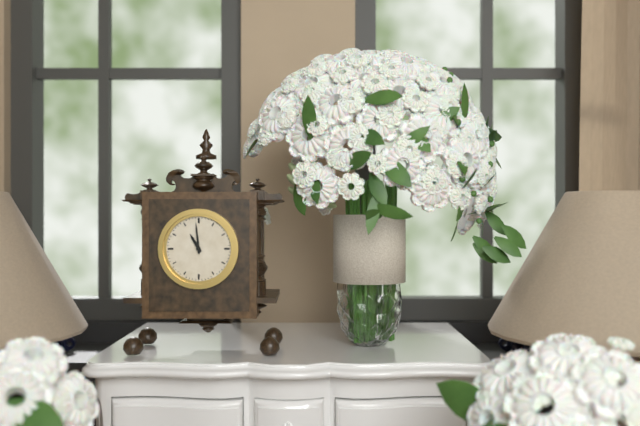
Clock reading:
10 h 59 min
